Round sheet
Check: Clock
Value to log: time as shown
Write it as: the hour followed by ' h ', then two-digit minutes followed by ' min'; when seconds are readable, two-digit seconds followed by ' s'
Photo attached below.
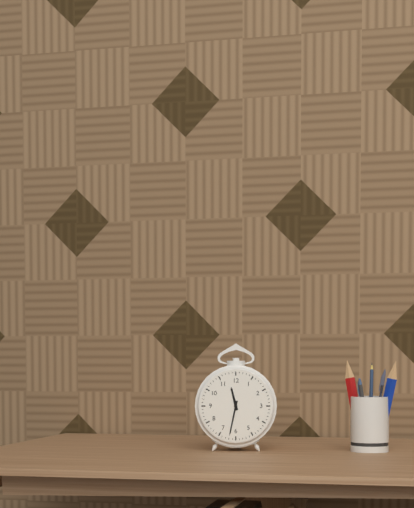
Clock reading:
11 h 32 min
